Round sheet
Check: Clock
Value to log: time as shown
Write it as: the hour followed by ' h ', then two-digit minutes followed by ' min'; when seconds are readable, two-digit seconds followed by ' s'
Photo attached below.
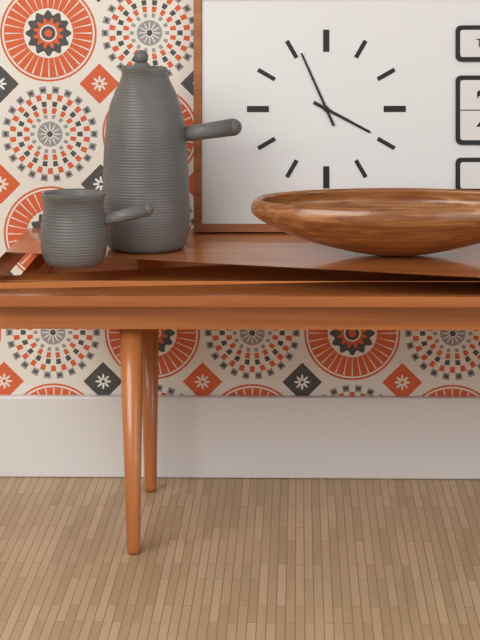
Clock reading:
3 h 56 min
